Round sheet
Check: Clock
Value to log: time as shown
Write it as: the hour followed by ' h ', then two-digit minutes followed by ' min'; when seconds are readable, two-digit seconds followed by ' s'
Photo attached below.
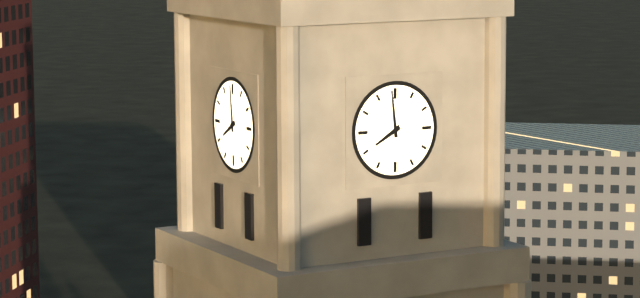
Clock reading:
7 h 59 min
